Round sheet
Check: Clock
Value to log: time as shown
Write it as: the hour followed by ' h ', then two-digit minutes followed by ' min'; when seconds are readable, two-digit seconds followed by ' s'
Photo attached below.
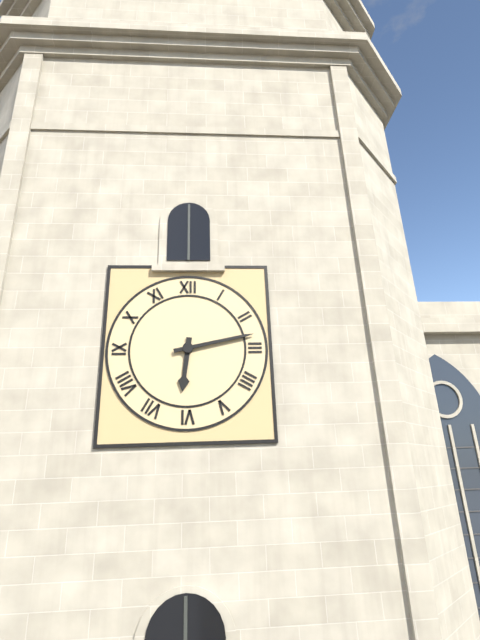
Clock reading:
6 h 13 min
